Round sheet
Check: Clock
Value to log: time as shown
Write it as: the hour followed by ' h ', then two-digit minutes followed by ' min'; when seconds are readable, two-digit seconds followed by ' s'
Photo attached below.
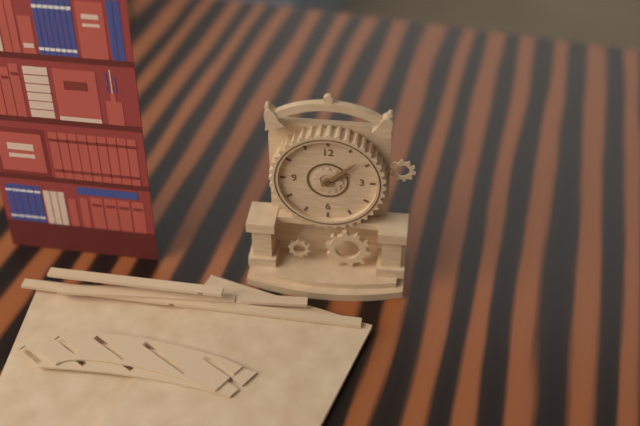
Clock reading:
2 h 08 min
